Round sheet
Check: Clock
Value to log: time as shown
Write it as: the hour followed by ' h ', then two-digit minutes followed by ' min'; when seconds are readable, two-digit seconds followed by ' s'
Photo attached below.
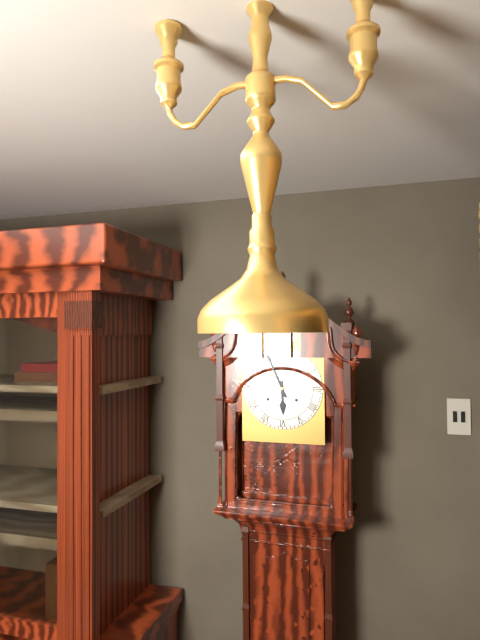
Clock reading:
5 h 56 min
